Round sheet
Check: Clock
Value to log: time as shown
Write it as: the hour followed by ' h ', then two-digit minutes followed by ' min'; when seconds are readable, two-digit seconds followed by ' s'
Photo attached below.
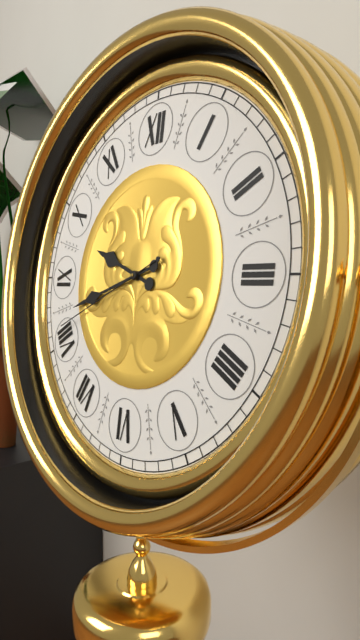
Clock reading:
9 h 42 min 41 s
